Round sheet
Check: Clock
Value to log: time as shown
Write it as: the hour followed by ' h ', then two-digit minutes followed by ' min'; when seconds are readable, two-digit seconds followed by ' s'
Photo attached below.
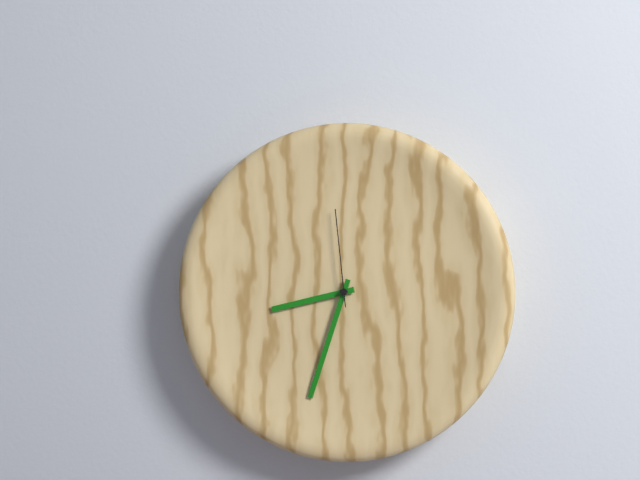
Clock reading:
8 h 33 min 59 s
